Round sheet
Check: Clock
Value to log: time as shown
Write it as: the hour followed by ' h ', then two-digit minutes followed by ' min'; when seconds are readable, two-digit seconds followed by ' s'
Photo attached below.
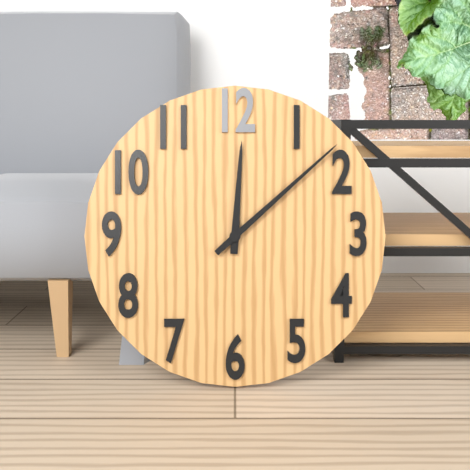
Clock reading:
12 h 08 min
